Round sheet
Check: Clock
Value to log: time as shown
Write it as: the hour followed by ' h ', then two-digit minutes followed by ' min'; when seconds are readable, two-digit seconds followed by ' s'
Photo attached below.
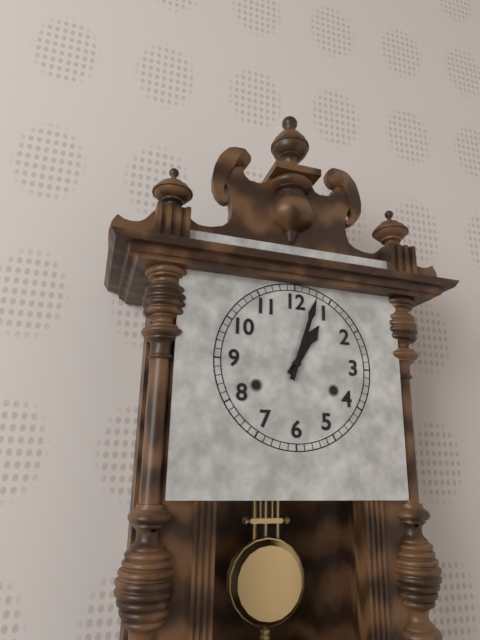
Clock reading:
1 h 03 min
